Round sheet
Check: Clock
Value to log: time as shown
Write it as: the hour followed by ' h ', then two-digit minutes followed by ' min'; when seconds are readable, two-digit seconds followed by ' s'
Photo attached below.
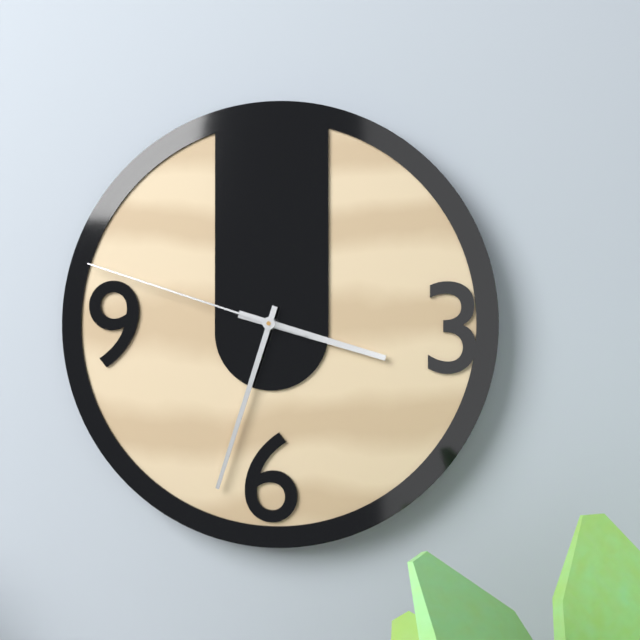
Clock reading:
3 h 33 min 48 s
